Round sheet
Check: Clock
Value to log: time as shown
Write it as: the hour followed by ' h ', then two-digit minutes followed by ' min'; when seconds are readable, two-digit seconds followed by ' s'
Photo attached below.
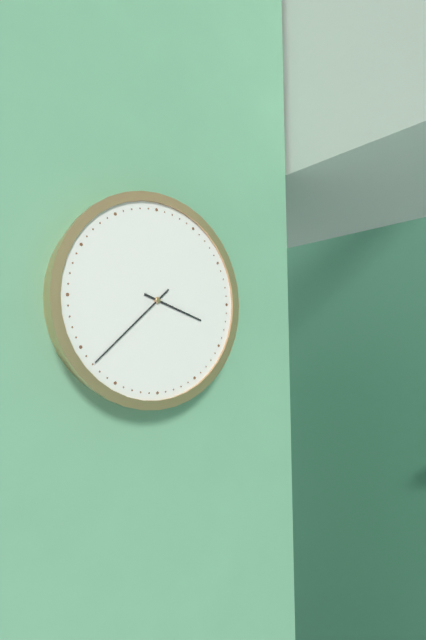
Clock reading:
3 h 38 min
